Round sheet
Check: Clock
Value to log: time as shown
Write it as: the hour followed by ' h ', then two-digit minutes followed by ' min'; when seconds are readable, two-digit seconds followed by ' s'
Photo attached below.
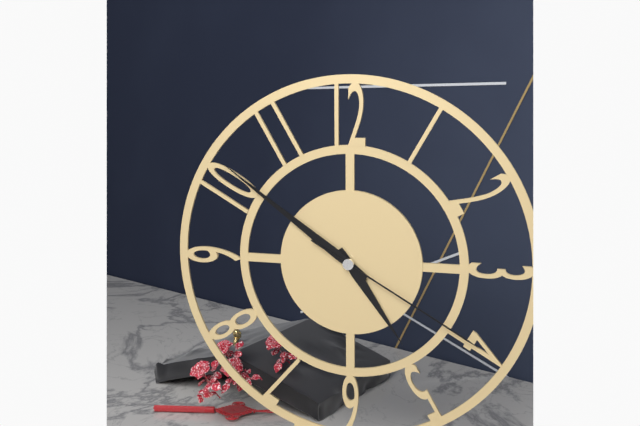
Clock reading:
4 h 51 min 20 s
